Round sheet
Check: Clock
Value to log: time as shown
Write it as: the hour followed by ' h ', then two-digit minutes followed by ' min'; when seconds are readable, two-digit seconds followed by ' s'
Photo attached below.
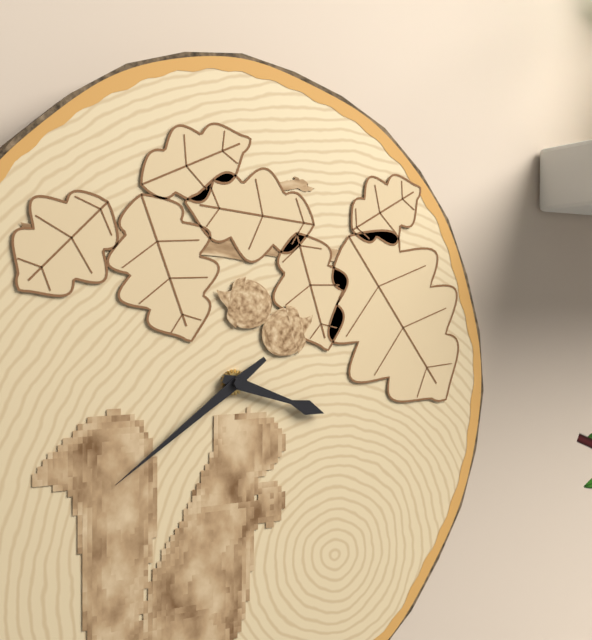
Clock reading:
3 h 39 min
